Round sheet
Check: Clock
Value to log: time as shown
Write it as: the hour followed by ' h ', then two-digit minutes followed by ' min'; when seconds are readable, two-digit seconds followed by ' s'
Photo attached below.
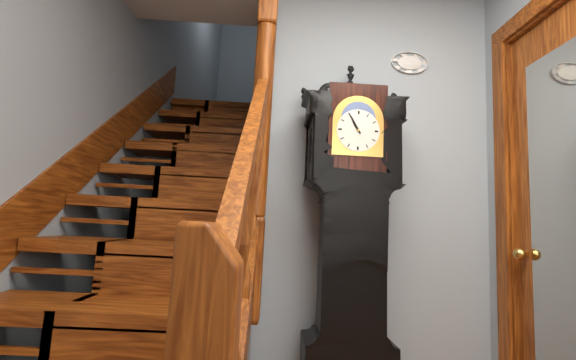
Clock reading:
10 h 55 min
